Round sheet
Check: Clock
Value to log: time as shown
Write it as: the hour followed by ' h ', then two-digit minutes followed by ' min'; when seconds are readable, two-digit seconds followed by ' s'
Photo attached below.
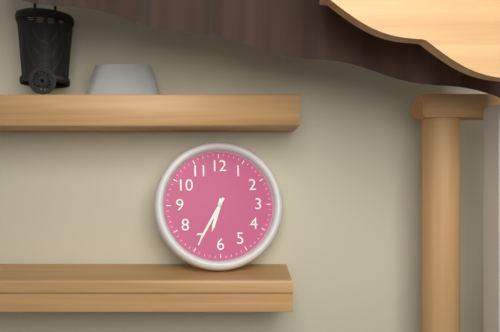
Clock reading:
6 h 35 min
